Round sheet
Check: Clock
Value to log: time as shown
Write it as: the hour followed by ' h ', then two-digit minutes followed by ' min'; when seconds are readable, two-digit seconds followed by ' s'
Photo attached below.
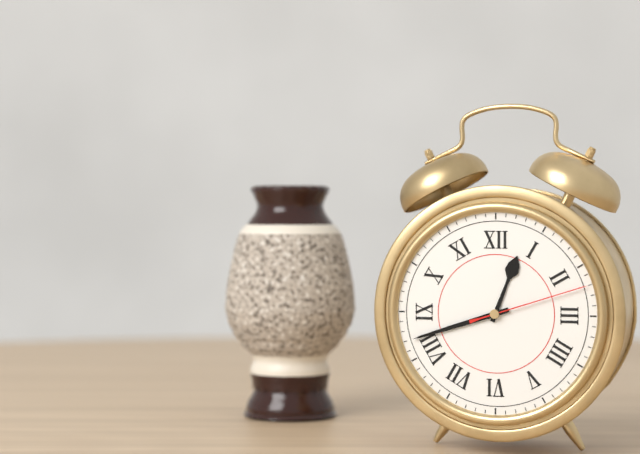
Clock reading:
12 h 42 min 12 s
